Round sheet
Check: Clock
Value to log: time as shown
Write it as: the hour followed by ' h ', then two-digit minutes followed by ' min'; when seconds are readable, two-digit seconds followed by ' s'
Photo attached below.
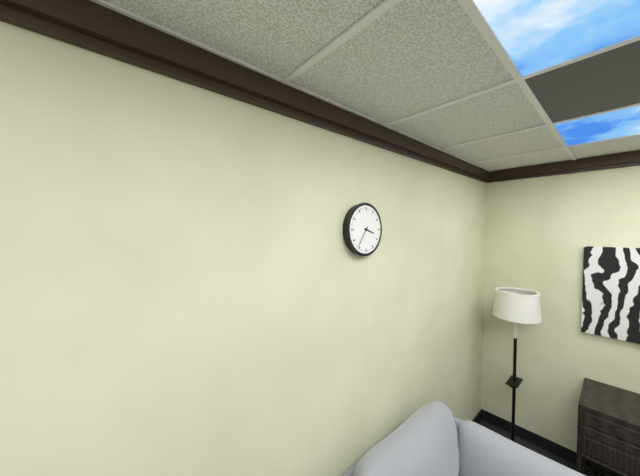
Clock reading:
3 h 36 min
